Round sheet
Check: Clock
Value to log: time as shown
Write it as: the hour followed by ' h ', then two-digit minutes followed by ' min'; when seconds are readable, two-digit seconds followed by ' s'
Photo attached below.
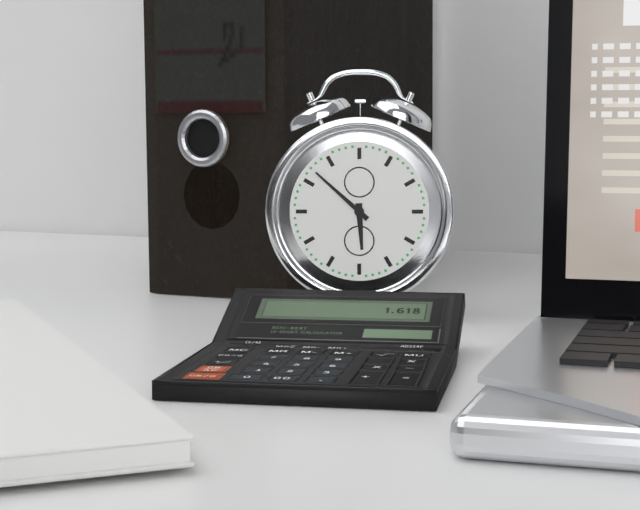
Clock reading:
5 h 52 min
